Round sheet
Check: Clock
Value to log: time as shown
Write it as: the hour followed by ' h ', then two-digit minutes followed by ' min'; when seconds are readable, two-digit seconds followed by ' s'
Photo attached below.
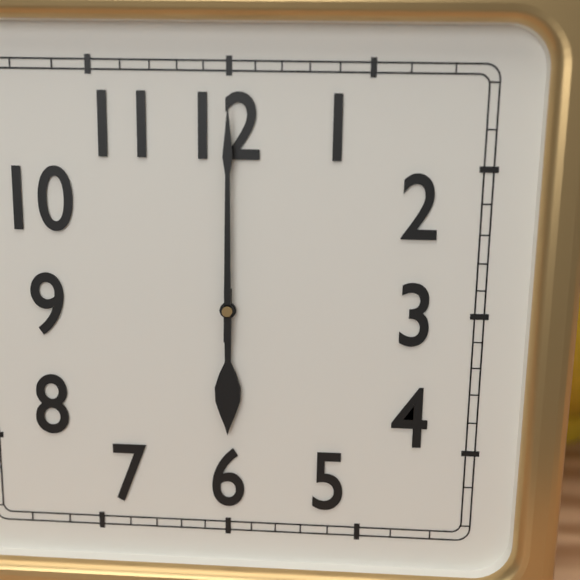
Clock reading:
6 h 00 min
